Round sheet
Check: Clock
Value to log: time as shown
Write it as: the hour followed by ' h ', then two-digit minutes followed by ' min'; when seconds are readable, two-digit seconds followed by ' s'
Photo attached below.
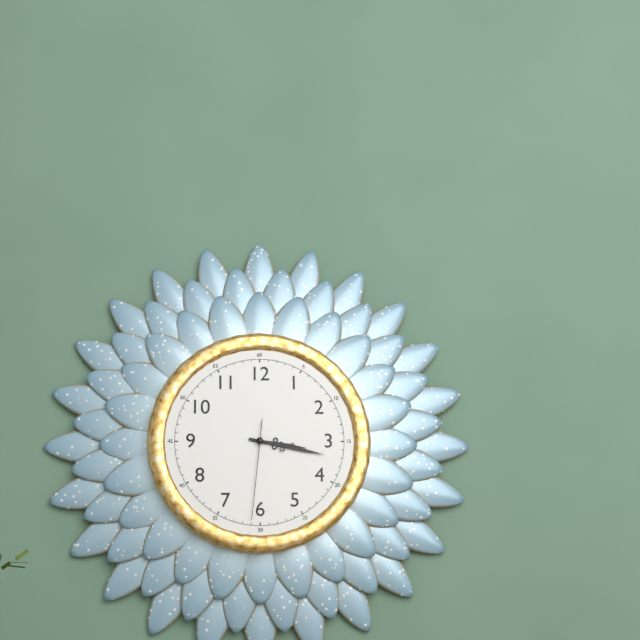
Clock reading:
3 h 17 min 31 s
